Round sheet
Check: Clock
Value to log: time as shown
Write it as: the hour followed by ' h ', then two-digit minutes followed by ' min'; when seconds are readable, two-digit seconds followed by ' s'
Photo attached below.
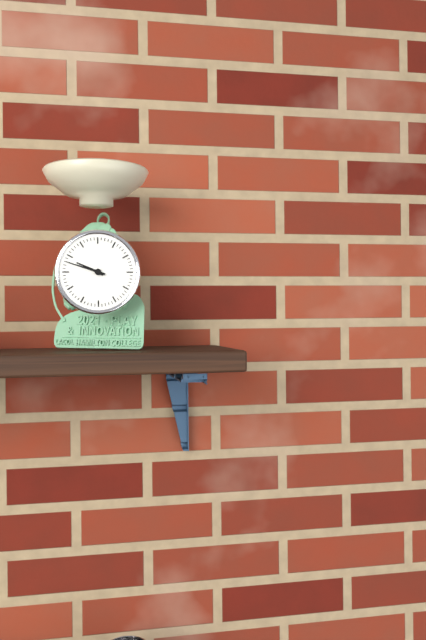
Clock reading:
9 h 48 min
